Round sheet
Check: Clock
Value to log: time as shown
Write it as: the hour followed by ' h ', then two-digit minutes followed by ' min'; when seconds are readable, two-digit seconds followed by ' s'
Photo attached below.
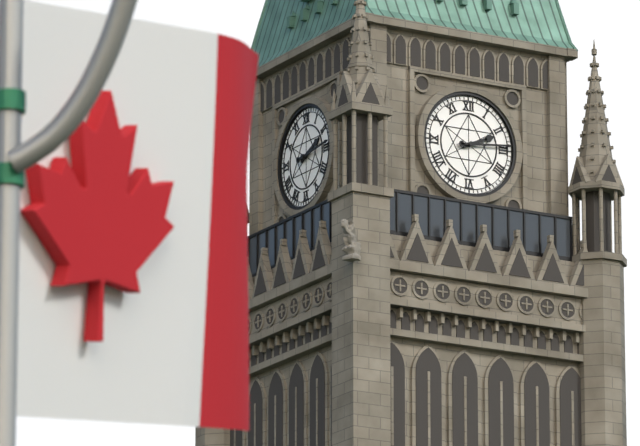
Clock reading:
2 h 14 min
